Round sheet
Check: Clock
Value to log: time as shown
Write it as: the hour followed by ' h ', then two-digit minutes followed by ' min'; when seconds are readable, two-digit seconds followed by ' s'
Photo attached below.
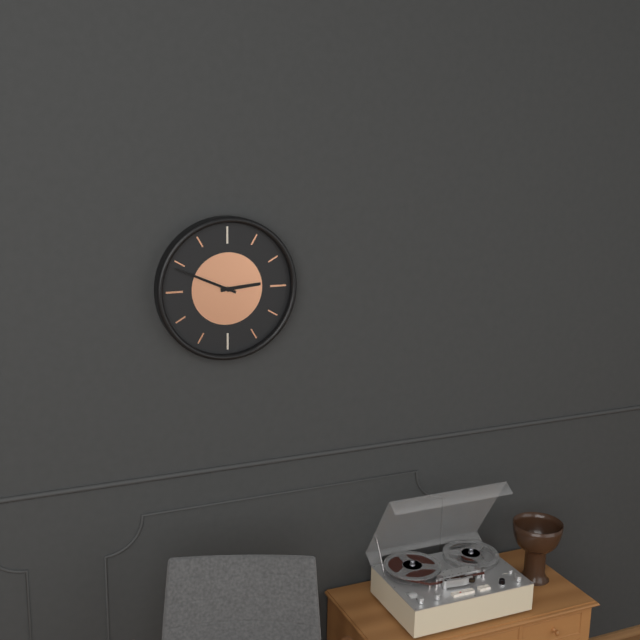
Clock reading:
2 h 49 min
